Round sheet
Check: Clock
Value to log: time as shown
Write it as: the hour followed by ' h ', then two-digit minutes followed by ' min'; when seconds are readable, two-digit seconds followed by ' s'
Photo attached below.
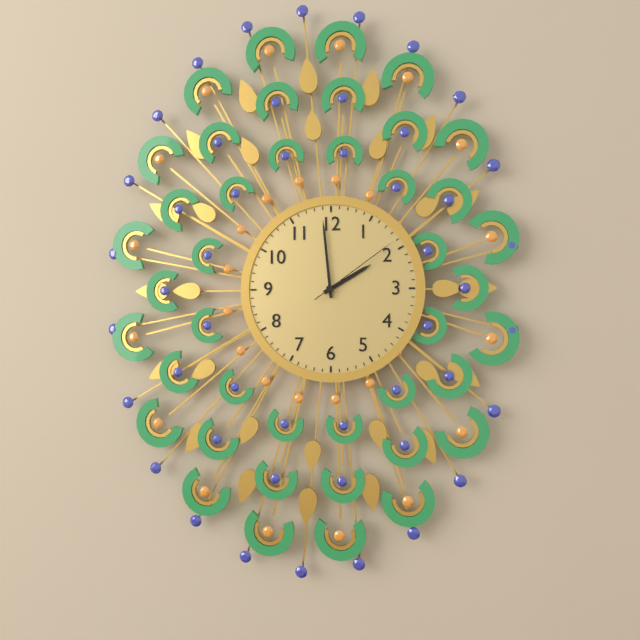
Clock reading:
1 h 59 min 09 s
